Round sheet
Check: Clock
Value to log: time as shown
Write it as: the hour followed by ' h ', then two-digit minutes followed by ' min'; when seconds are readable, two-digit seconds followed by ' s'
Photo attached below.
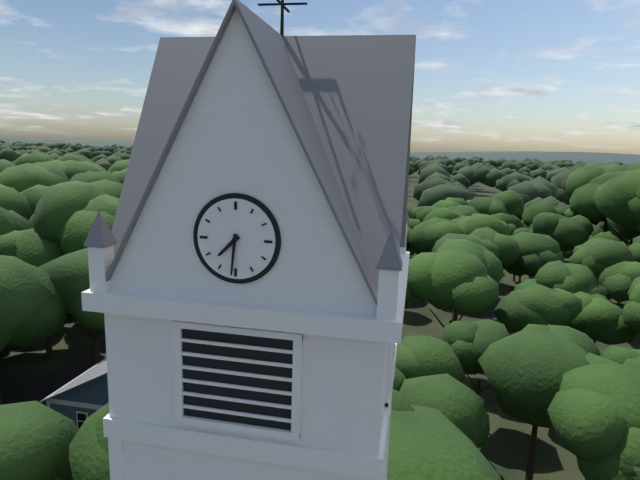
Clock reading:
7 h 31 min
